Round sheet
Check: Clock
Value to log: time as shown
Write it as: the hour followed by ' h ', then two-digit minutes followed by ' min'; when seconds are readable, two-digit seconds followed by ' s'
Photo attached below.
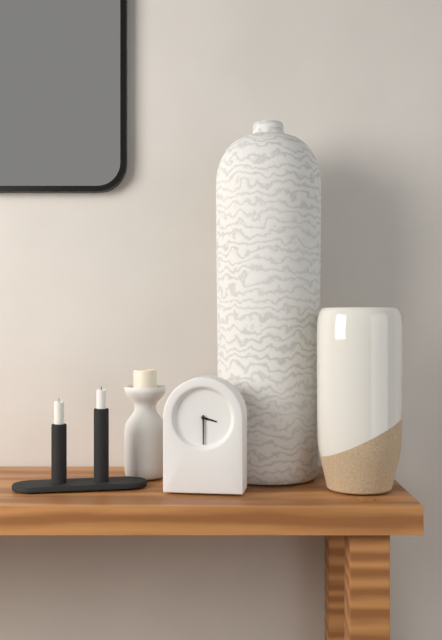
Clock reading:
3 h 30 min
